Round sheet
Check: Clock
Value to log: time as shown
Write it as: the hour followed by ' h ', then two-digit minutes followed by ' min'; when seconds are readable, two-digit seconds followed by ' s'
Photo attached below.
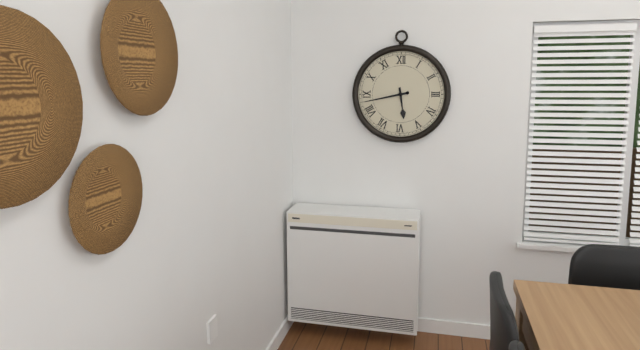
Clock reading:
5 h 43 min
